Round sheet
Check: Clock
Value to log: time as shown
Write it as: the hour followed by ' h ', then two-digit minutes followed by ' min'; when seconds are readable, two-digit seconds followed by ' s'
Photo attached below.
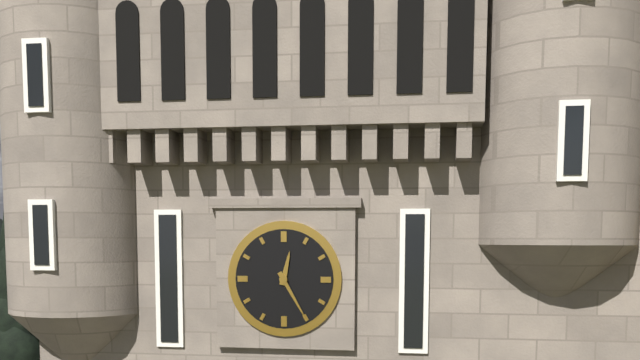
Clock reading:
12 h 25 min
